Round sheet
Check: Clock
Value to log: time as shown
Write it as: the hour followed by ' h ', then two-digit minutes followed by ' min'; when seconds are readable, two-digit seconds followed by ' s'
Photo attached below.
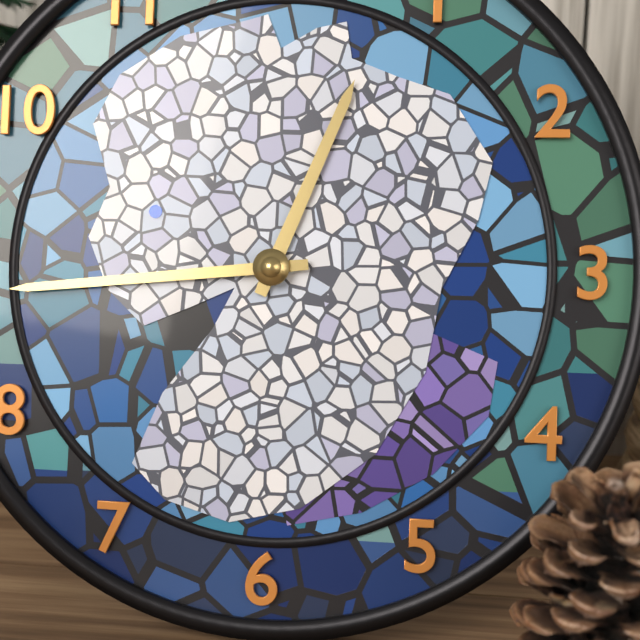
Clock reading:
12 h 44 min
